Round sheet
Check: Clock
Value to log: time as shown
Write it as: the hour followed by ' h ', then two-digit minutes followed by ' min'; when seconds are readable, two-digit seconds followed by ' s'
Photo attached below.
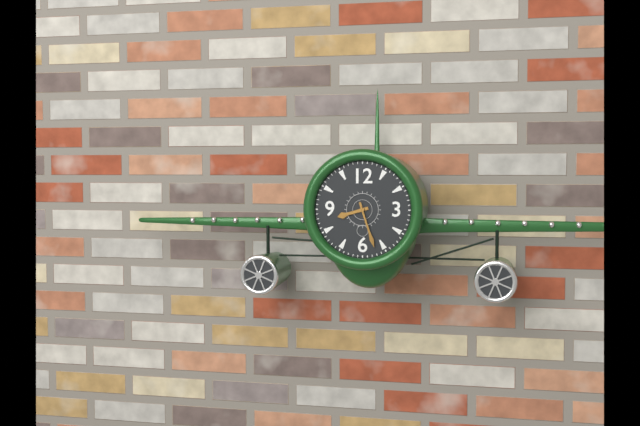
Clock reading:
8 h 27 min
